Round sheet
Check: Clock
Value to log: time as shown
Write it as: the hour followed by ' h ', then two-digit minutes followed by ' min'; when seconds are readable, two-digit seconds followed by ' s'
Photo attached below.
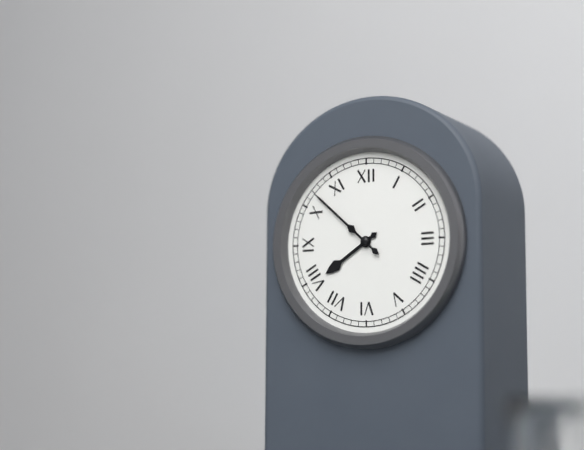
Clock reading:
7 h 52 min
